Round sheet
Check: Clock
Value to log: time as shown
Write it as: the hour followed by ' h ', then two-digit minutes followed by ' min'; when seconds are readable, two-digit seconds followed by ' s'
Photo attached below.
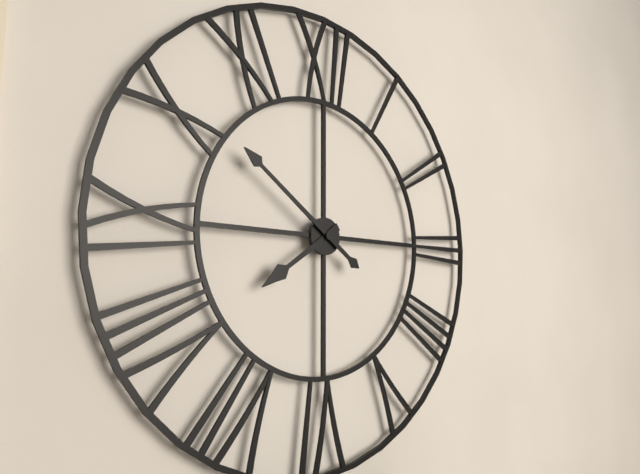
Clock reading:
7 h 51 min
